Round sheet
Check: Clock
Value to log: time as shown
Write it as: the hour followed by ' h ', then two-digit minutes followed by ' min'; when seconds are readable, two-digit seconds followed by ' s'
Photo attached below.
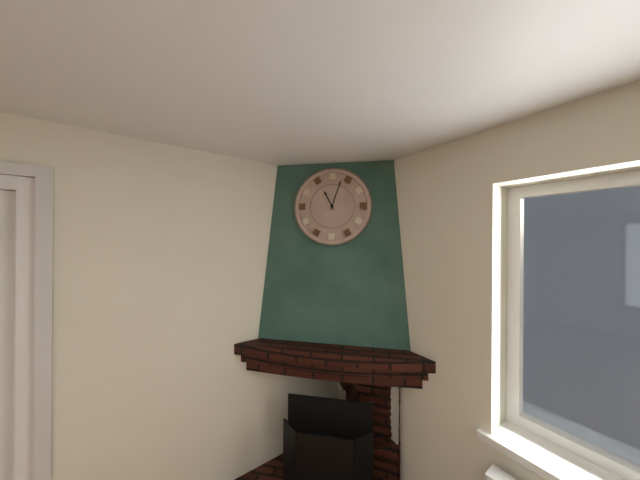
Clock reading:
11 h 03 min
